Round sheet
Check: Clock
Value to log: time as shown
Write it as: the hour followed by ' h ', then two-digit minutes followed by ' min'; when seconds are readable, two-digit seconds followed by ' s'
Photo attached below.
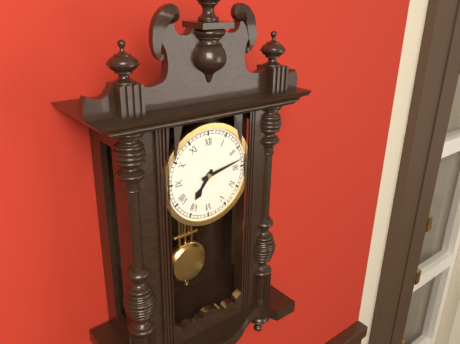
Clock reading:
7 h 13 min
